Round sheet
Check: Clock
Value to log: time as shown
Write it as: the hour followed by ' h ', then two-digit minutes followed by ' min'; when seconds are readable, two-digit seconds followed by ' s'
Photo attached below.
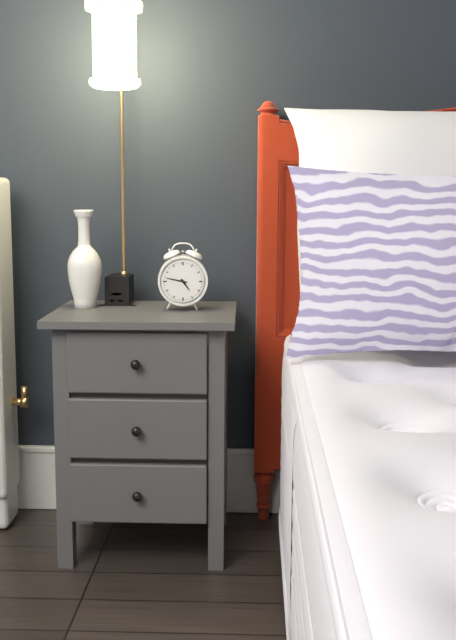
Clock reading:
4 h 47 min
